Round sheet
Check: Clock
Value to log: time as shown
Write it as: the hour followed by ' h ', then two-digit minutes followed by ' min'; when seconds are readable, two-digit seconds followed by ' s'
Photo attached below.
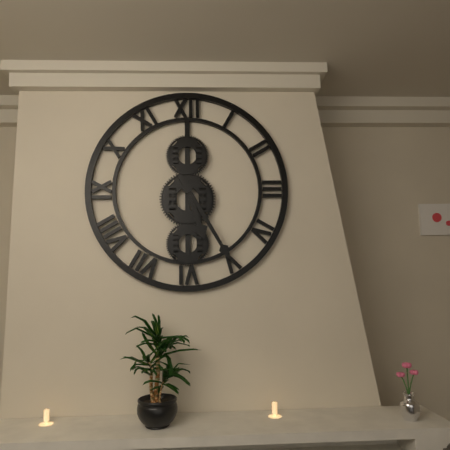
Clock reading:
5 h 25 min
